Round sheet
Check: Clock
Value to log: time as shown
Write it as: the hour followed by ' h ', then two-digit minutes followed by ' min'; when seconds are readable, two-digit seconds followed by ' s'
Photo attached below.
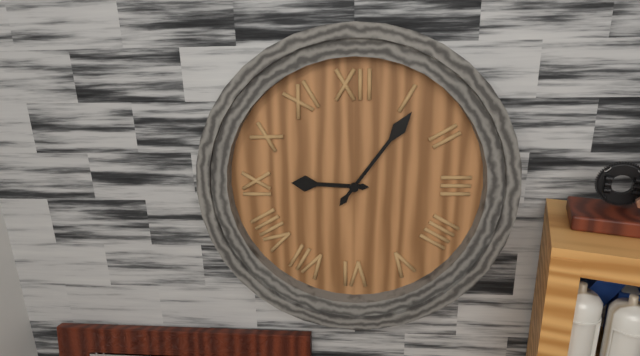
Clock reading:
9 h 06 min
